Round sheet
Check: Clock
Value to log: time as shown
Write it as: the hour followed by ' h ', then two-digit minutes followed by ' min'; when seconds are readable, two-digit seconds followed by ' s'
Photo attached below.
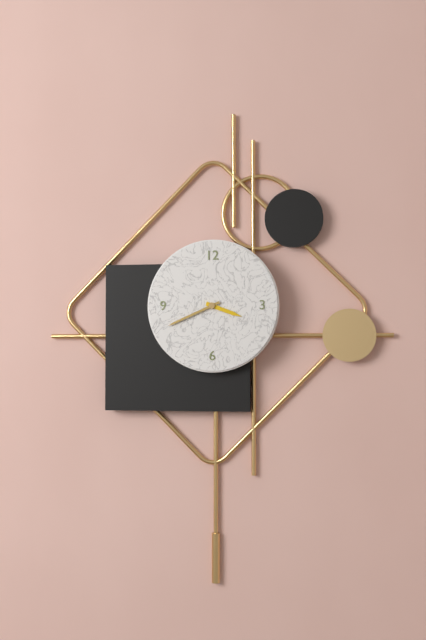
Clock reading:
3 h 41 min
